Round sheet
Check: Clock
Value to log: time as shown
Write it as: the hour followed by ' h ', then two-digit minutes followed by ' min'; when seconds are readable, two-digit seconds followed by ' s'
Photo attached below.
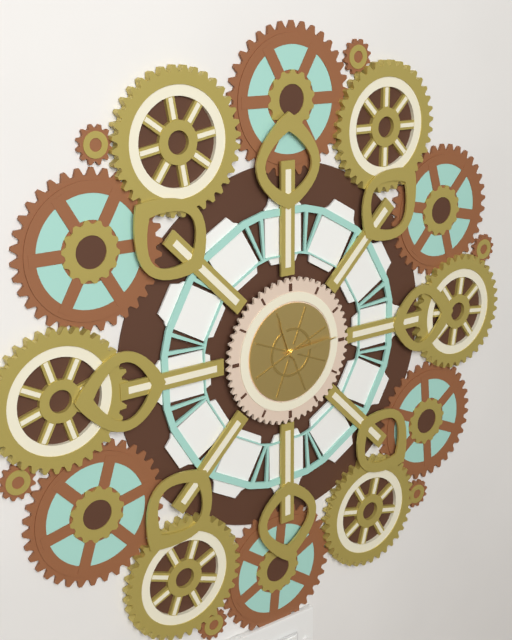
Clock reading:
11 h 14 min
